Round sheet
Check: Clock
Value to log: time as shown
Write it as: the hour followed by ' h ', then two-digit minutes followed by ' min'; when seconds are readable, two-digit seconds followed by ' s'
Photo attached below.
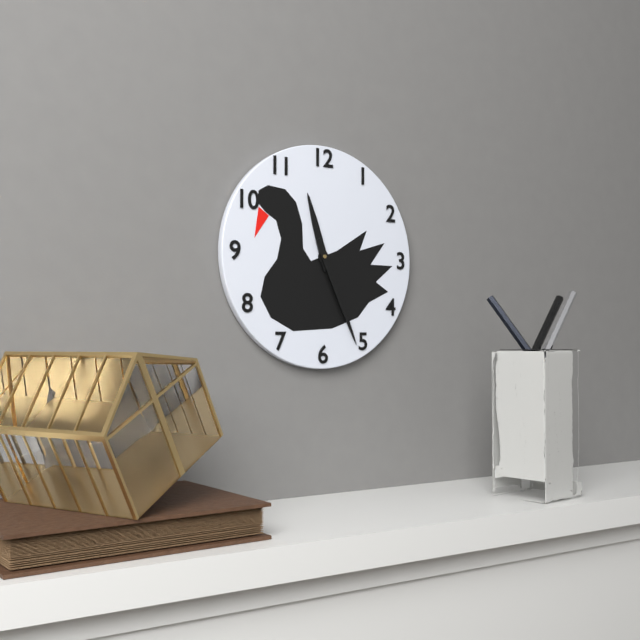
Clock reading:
11 h 26 min
